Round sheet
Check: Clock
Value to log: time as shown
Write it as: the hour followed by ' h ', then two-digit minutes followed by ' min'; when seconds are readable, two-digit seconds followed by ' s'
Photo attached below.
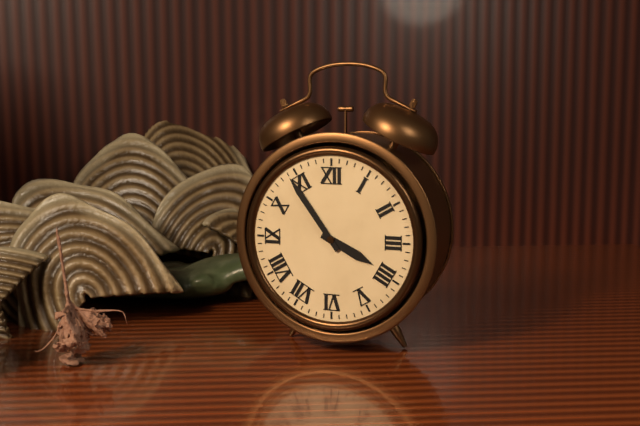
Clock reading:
3 h 54 min
